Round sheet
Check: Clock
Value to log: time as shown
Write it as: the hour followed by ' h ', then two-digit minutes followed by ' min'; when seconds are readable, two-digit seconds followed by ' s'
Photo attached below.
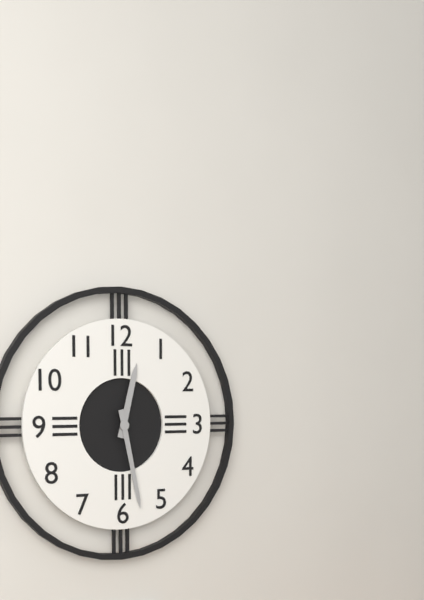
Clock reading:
12 h 28 min
